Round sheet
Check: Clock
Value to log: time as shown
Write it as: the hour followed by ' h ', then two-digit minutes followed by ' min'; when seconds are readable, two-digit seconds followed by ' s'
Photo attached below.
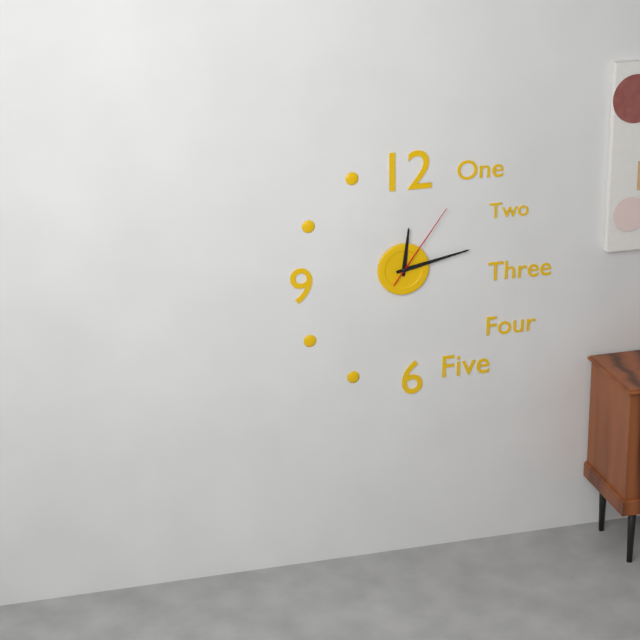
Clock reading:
12 h 13 min 06 s
